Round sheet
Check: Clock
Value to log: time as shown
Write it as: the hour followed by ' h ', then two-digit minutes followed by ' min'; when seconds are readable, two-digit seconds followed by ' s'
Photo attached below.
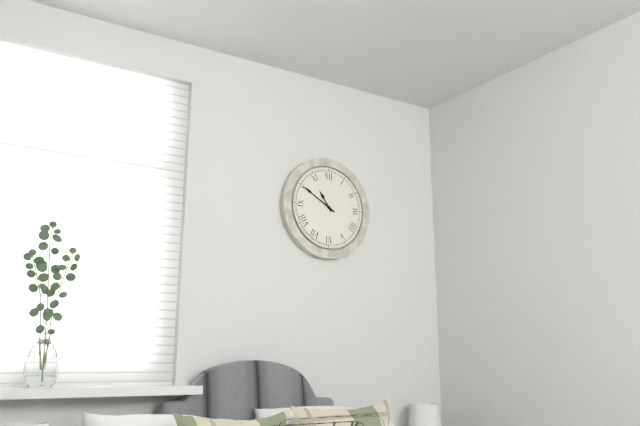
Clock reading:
10 h 50 min
